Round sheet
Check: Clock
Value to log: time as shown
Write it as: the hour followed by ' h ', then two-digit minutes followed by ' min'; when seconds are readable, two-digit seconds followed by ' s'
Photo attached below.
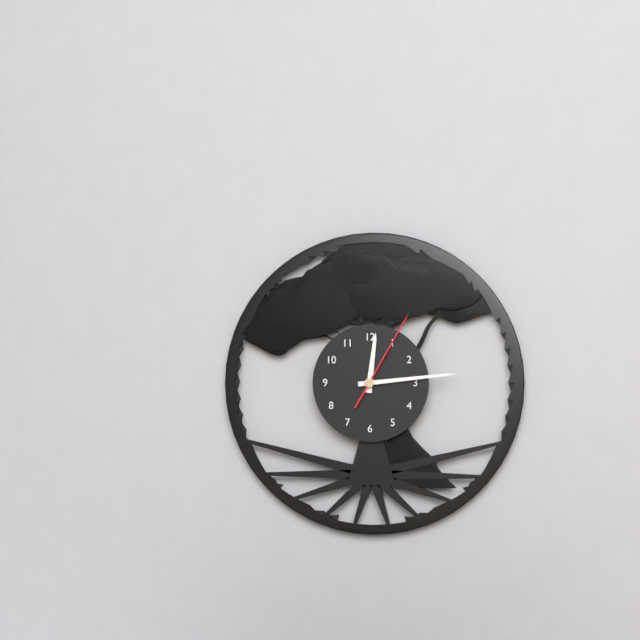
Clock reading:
12 h 14 min 05 s
